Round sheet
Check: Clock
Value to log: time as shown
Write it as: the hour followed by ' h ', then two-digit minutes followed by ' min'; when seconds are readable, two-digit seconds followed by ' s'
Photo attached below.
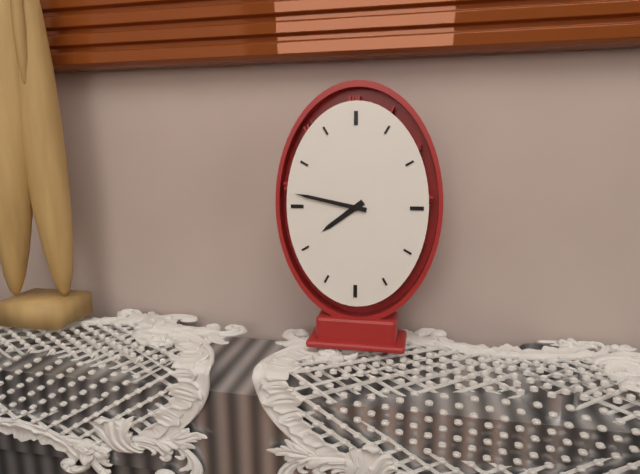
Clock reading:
7 h 47 min
